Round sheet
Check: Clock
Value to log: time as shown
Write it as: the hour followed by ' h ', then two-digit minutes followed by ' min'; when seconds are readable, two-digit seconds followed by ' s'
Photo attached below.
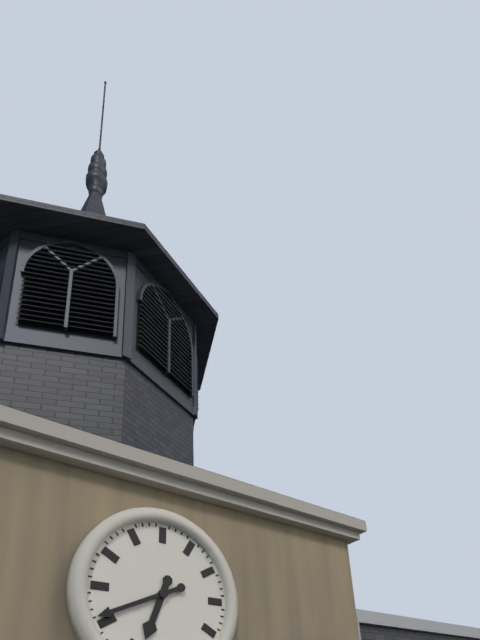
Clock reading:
6 h 41 min
